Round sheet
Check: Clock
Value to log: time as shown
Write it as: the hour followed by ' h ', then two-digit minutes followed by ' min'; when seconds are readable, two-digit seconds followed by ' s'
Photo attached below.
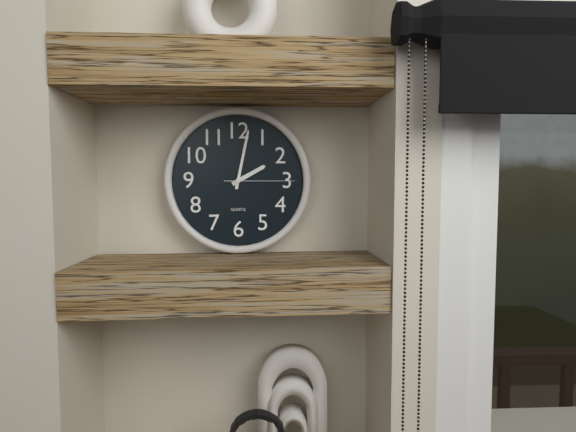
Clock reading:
2 h 02 min 15 s
